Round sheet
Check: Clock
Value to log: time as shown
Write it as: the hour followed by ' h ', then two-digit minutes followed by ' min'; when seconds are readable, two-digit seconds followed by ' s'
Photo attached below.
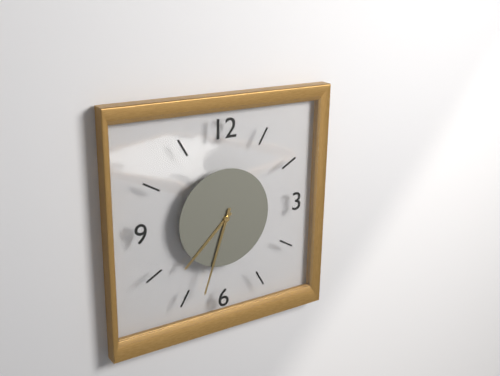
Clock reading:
7 h 33 min
